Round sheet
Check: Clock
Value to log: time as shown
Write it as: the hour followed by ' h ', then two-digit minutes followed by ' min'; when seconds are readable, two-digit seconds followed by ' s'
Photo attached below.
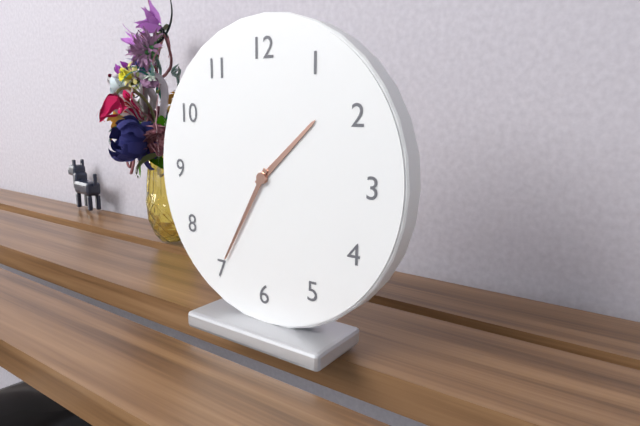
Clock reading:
1 h 35 min
